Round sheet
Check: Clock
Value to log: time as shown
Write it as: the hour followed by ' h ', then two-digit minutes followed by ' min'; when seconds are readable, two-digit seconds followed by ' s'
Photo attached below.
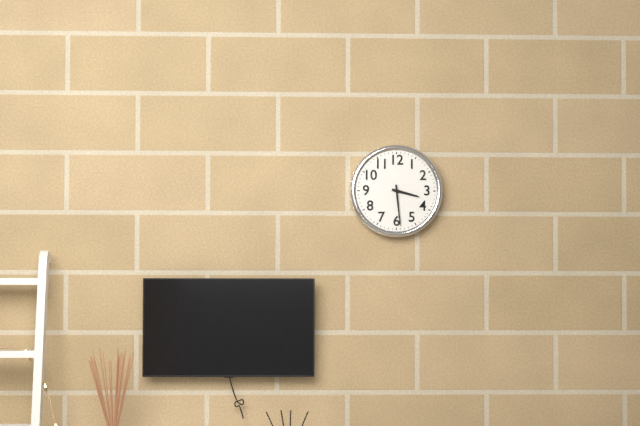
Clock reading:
3 h 29 min
